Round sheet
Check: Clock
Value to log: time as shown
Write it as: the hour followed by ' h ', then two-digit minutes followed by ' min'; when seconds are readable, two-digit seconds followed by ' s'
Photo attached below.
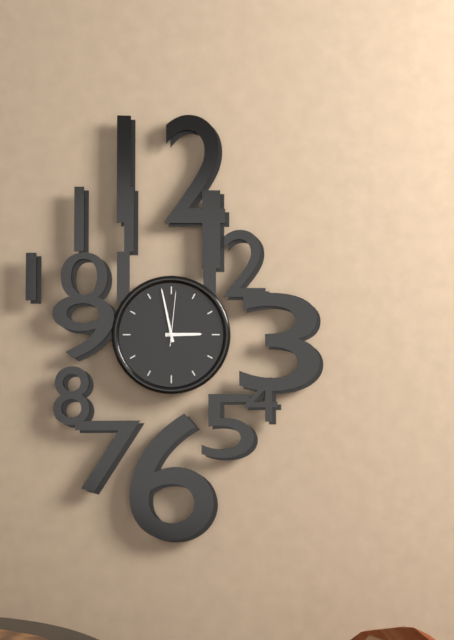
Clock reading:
2 h 58 min 01 s
